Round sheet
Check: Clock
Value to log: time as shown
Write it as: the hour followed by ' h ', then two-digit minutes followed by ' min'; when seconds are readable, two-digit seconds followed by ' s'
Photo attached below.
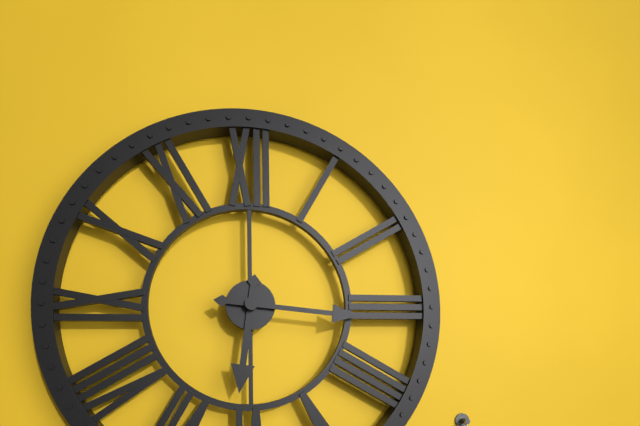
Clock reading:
6 h 16 min
